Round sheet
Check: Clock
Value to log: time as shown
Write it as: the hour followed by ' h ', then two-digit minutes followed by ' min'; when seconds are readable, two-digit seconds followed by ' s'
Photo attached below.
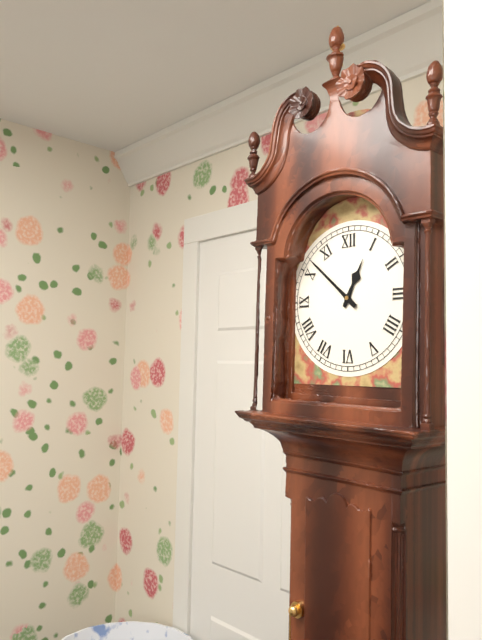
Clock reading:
12 h 52 min
